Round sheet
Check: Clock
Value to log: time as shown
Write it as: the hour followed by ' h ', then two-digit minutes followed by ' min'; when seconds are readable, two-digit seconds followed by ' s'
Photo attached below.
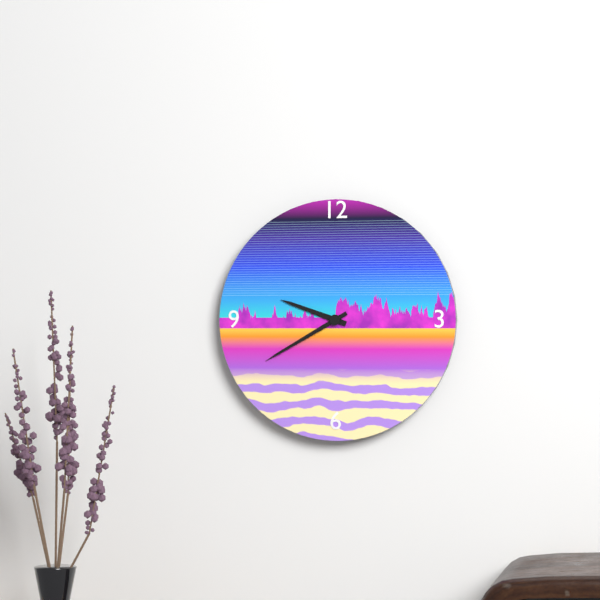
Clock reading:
9 h 40 min
